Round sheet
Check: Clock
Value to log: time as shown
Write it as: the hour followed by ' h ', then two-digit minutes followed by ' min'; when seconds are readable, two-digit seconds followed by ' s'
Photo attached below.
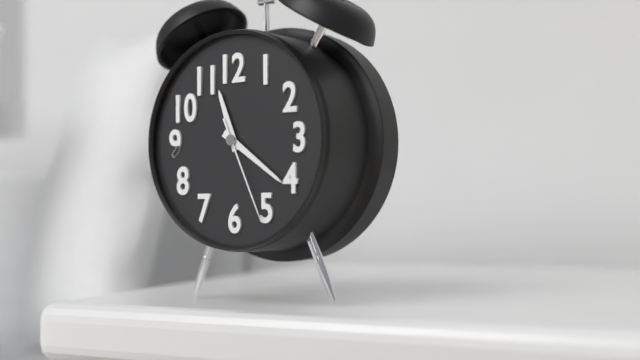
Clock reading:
11 h 21 min 26 s
